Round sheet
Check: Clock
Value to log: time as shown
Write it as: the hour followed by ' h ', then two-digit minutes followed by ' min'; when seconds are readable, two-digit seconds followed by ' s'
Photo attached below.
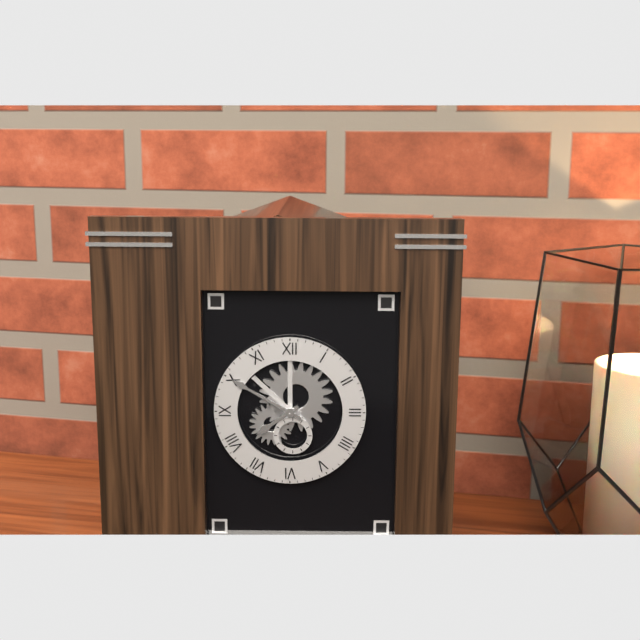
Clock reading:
7 h 50 min
